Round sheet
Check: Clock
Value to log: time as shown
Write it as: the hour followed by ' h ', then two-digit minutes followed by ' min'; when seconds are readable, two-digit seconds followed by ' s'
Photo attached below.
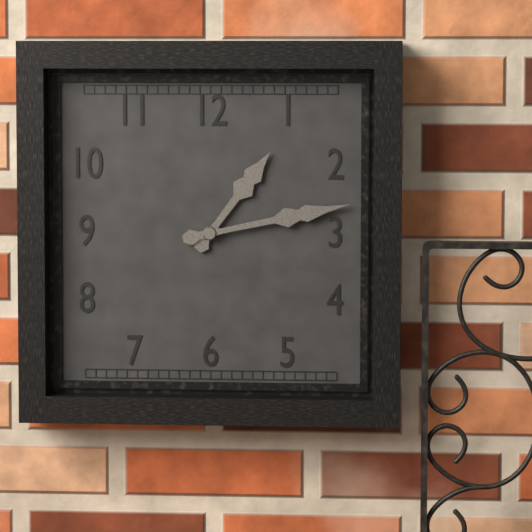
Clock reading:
1 h 13 min
